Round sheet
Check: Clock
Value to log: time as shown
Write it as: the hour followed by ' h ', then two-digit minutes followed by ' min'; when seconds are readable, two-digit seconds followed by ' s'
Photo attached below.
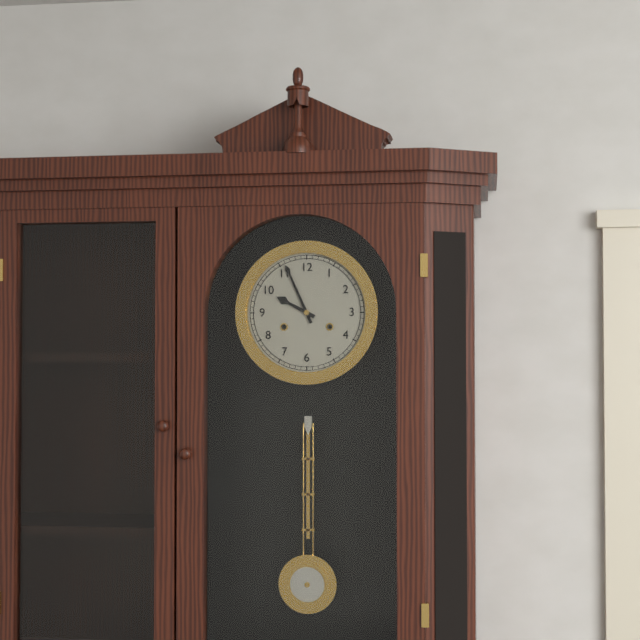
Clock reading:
9 h 56 min
